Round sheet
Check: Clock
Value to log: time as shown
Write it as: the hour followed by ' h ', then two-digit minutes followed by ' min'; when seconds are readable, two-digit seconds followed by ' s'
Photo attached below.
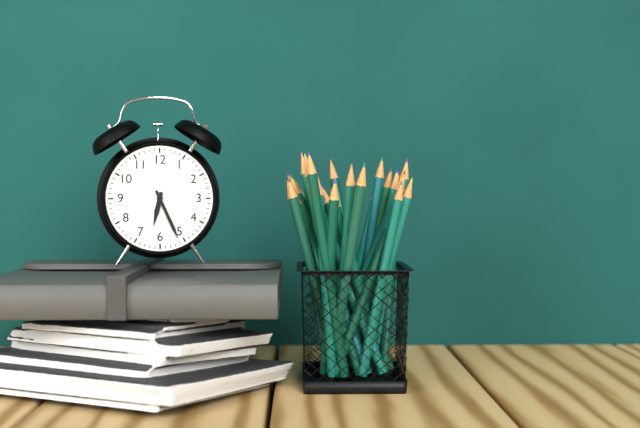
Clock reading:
6 h 26 min
